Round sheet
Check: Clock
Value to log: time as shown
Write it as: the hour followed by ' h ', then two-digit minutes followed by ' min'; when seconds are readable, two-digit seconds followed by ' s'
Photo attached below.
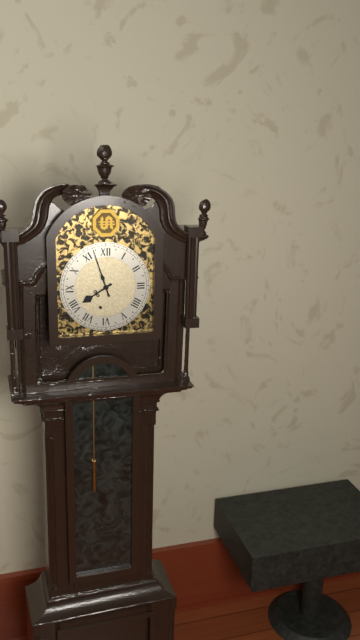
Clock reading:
7 h 57 min
